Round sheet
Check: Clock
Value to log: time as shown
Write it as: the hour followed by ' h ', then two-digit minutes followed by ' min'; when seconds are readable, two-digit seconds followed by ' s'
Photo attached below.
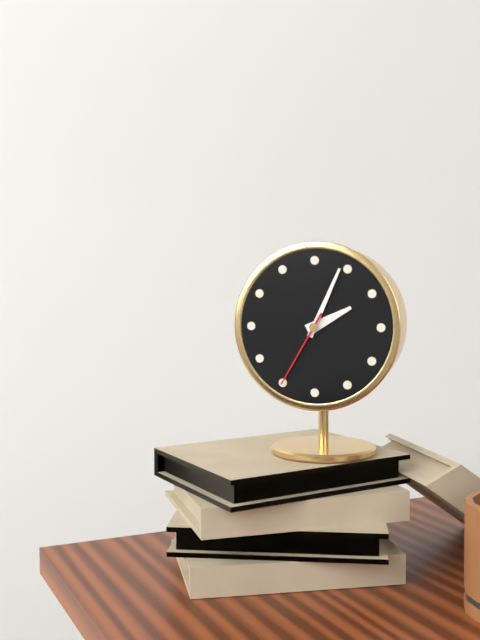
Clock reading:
2 h 04 min 35 s
